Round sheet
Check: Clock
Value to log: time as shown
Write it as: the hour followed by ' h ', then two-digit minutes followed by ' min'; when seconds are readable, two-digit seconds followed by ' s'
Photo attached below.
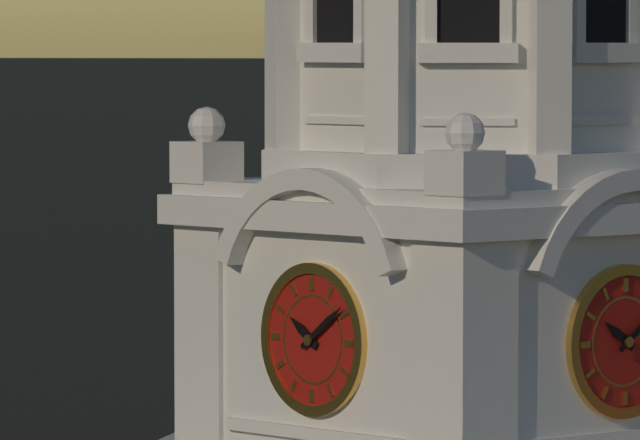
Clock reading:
10 h 09 min
